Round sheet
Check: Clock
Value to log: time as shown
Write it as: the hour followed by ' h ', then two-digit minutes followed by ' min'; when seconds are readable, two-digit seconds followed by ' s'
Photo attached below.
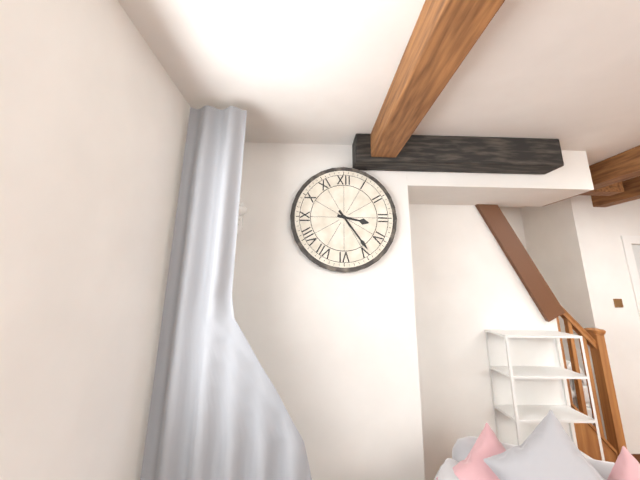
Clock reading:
3 h 24 min
